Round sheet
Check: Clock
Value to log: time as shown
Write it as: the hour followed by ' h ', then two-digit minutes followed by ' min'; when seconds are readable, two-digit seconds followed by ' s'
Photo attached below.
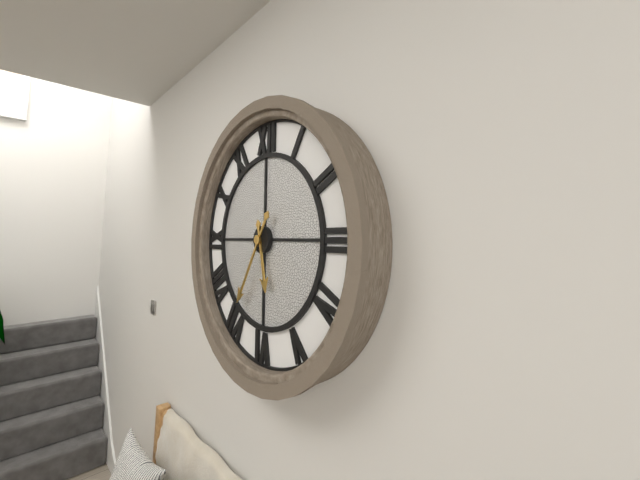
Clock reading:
5 h 35 min
